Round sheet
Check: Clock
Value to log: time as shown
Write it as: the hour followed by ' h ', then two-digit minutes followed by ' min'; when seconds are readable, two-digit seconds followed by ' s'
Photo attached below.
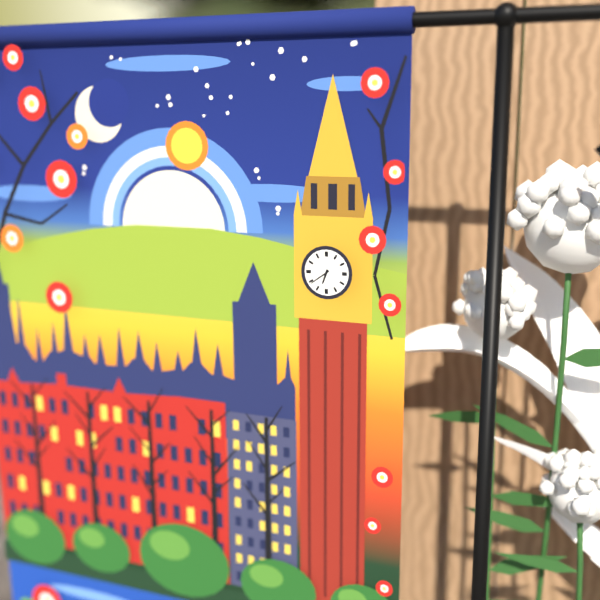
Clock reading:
6 h 39 min
